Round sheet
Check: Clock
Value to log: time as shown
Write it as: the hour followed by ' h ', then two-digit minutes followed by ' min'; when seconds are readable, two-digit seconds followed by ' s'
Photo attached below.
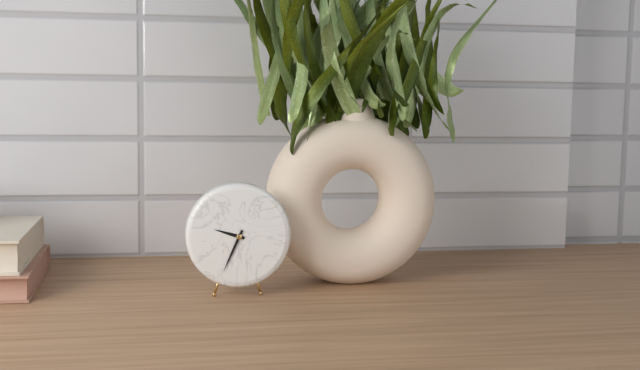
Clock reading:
9 h 34 min
